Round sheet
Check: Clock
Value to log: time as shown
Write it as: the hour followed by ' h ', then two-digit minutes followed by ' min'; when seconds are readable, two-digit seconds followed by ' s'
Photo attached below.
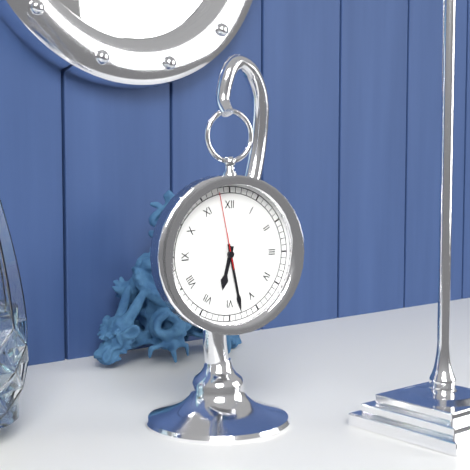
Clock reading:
6 h 28 min 58 s
